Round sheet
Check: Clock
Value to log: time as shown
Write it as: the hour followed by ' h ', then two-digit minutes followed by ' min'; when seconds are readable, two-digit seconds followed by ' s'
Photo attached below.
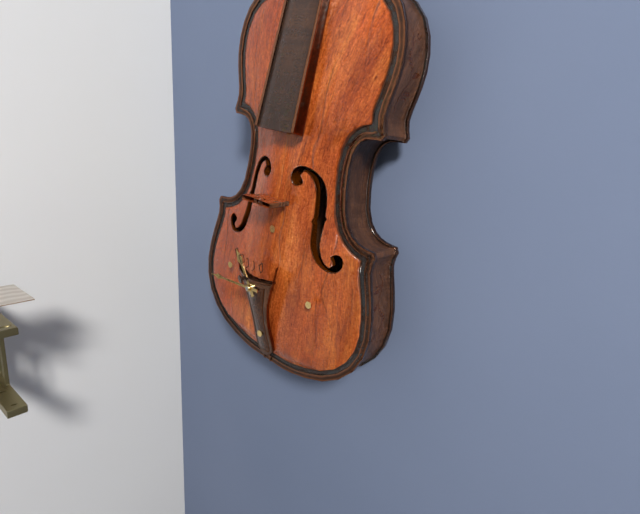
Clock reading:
10 h 44 min
